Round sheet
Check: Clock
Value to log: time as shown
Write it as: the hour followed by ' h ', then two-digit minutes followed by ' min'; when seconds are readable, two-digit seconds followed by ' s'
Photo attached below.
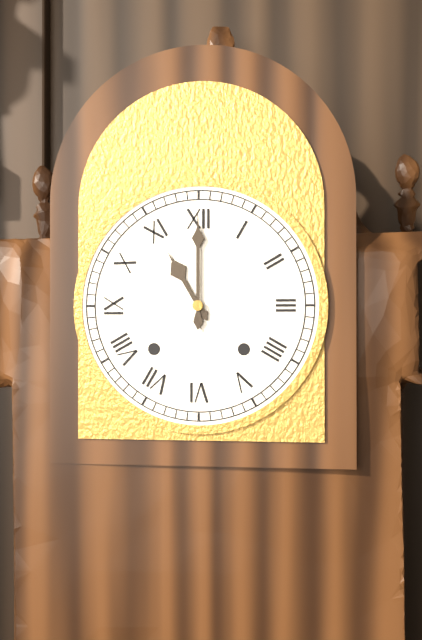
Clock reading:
11 h 00 min
